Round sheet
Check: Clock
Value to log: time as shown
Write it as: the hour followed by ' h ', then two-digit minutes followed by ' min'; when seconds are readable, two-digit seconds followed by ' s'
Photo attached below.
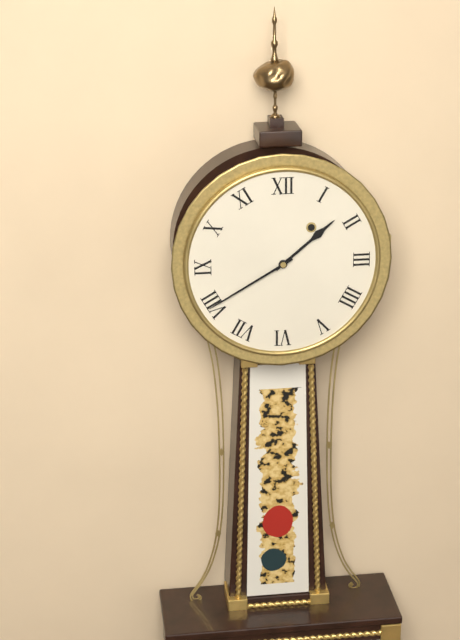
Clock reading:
1 h 40 min
